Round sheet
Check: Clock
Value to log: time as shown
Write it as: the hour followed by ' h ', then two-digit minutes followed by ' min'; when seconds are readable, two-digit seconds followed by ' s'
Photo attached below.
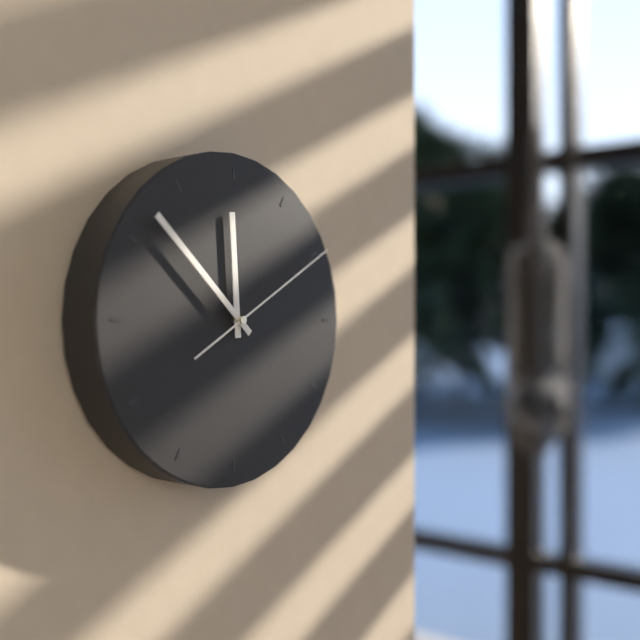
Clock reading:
11 h 52 min 10 s
